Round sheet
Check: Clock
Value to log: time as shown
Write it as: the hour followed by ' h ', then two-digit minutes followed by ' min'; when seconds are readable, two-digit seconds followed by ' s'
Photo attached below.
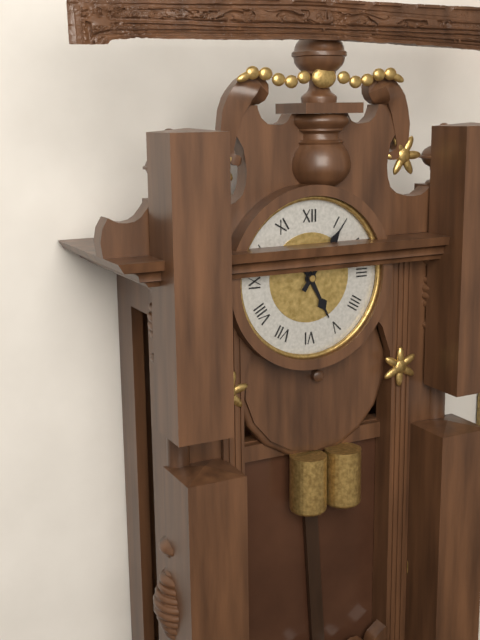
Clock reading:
5 h 06 min
